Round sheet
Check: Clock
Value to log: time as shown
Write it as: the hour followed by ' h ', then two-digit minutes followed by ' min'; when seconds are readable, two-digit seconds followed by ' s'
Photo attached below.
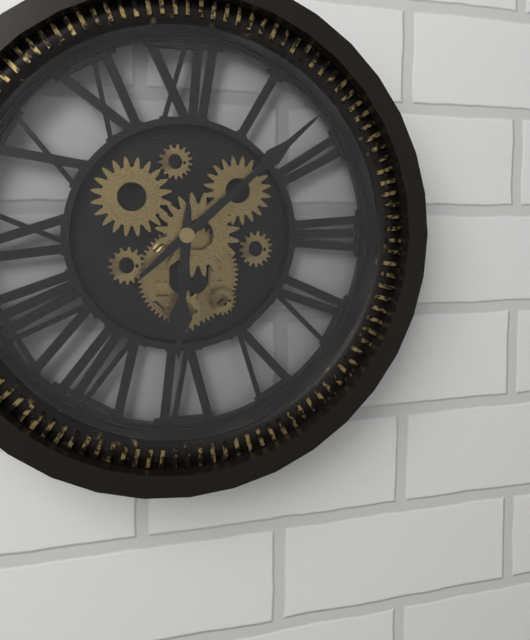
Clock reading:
6 h 08 min
